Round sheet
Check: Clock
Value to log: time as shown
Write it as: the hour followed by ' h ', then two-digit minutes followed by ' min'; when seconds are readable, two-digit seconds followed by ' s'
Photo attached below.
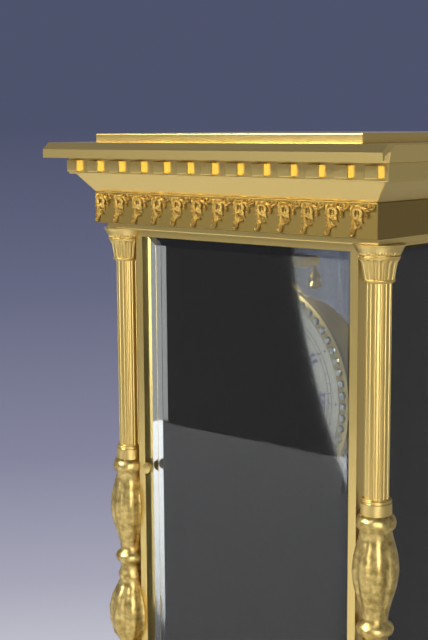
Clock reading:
12 h 25 min
